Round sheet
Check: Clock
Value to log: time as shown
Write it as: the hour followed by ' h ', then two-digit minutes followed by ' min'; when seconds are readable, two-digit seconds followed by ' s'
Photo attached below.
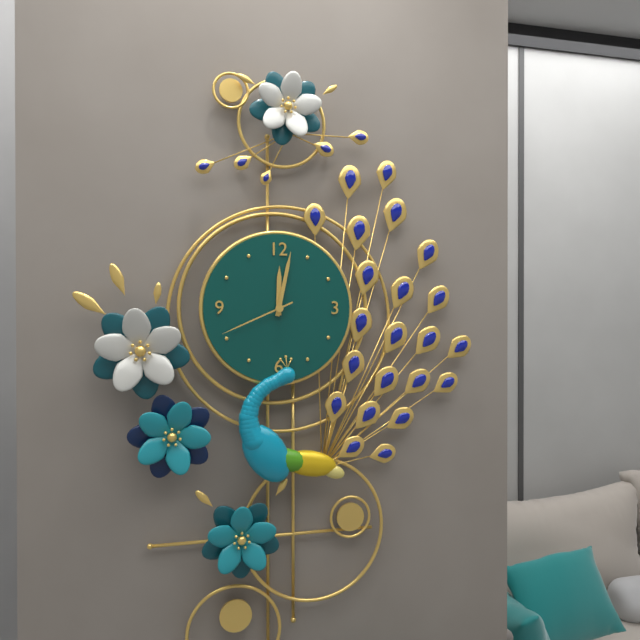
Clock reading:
12 h 02 min 41 s
